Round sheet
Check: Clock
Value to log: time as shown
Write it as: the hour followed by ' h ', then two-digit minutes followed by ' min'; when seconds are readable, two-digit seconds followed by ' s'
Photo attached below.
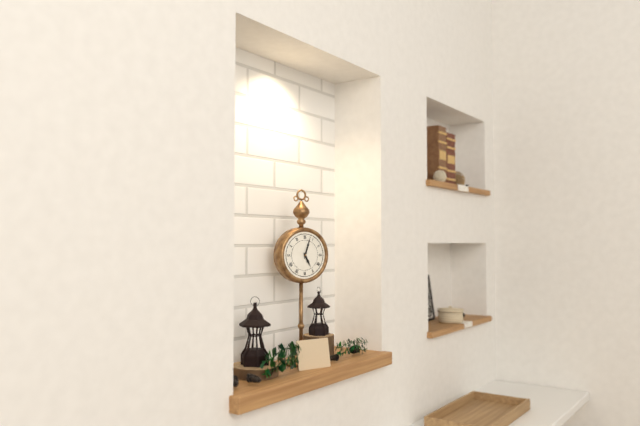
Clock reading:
5 h 03 min
